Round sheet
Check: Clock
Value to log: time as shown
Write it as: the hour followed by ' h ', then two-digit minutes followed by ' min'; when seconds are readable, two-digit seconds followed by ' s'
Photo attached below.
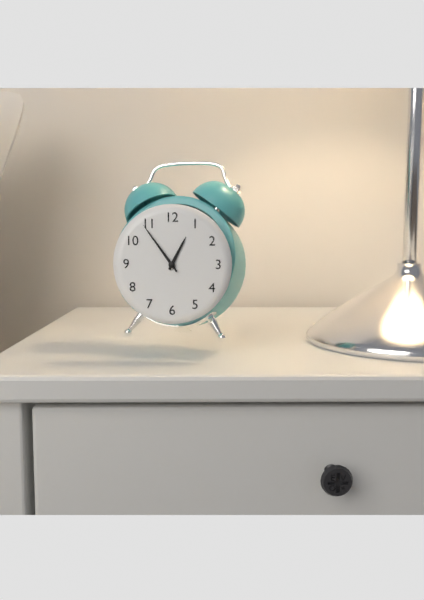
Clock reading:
12 h 54 min
